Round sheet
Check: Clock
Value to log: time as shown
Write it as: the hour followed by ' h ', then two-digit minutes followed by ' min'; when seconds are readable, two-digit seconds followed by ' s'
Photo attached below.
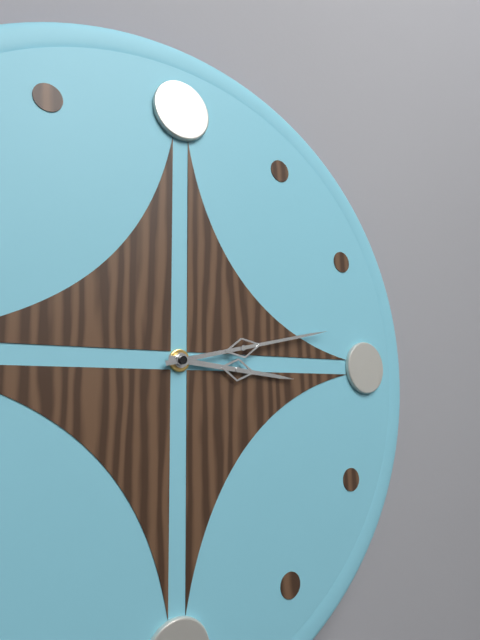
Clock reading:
3 h 13 min
